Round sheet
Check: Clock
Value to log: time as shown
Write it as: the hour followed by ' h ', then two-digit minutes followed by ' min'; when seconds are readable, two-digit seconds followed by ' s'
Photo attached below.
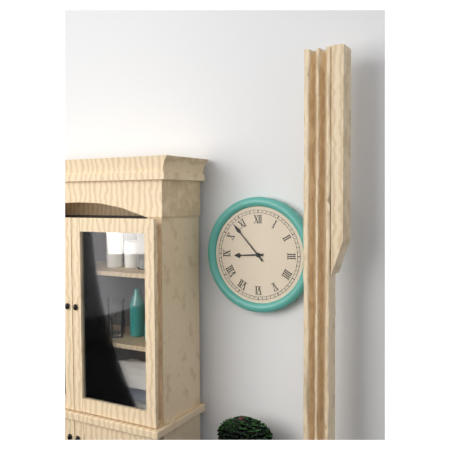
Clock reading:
8 h 53 min
